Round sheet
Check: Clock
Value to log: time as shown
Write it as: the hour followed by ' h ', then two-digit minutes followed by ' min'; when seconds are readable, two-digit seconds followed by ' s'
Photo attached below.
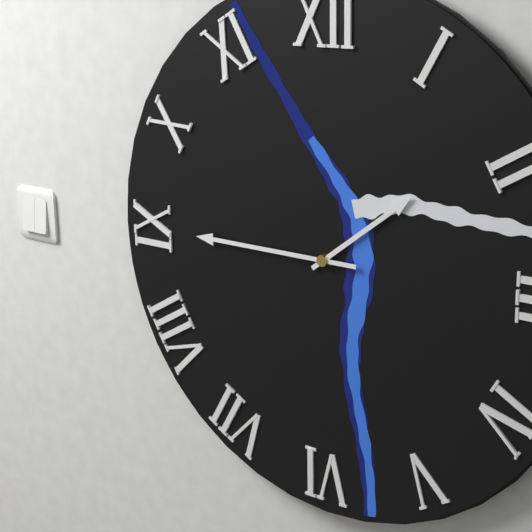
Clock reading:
1 h 45 min
